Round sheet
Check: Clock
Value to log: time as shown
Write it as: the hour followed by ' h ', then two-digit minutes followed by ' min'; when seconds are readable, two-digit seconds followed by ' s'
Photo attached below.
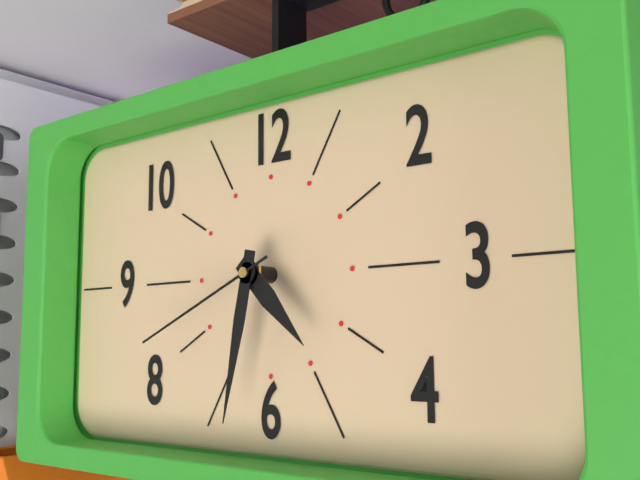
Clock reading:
4 h 32 min 41 s
